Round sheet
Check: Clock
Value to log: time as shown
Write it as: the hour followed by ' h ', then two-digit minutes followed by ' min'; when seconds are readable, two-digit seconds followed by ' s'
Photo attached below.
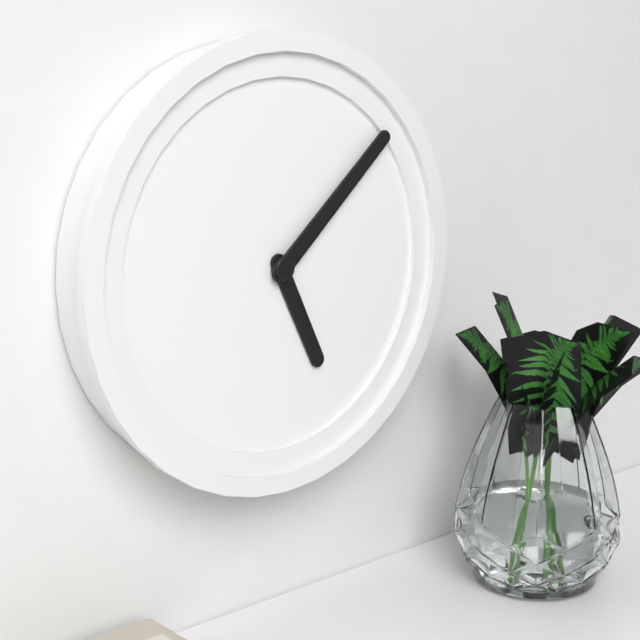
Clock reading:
5 h 08 min
